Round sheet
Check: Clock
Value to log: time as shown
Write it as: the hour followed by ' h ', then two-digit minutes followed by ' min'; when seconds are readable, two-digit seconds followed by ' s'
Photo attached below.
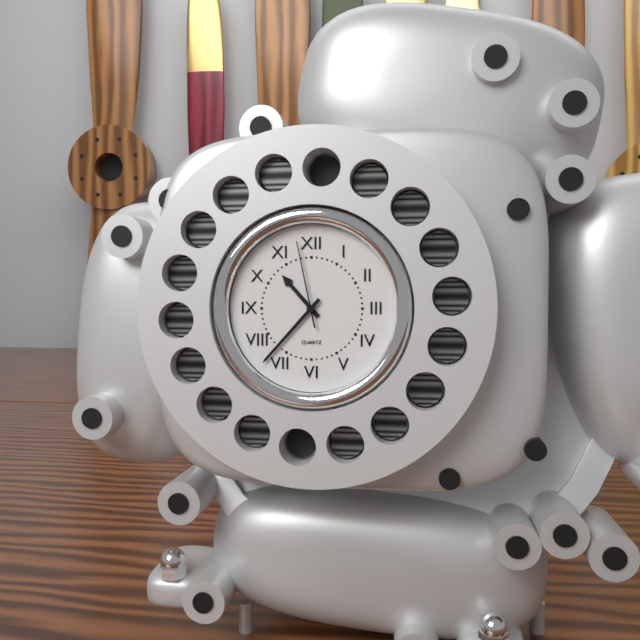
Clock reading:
10 h 37 min 58 s
